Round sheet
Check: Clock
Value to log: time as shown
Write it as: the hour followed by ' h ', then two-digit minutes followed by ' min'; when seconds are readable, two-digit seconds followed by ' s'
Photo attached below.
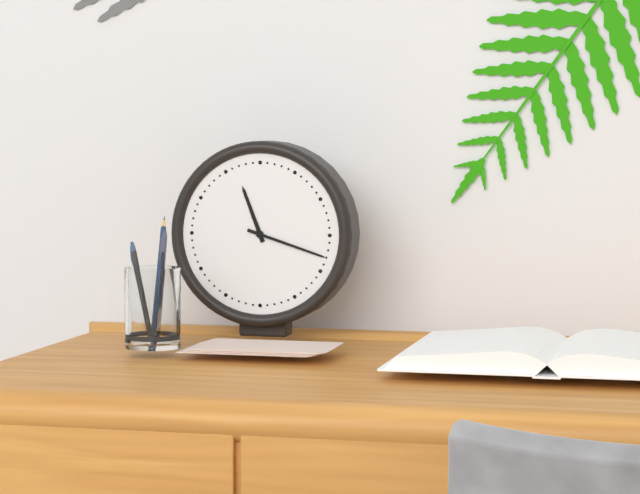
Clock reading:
11 h 18 min
